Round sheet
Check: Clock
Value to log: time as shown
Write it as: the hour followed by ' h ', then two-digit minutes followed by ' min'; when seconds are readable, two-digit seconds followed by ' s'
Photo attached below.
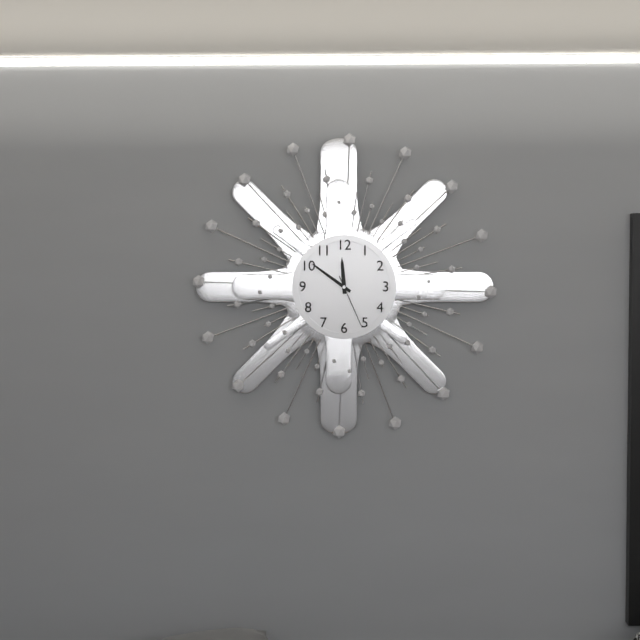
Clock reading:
11 h 51 min 26 s
